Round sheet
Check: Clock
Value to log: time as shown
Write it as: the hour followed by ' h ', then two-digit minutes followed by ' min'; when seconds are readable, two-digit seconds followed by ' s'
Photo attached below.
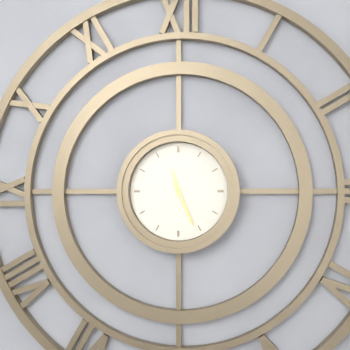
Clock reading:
11 h 26 min
